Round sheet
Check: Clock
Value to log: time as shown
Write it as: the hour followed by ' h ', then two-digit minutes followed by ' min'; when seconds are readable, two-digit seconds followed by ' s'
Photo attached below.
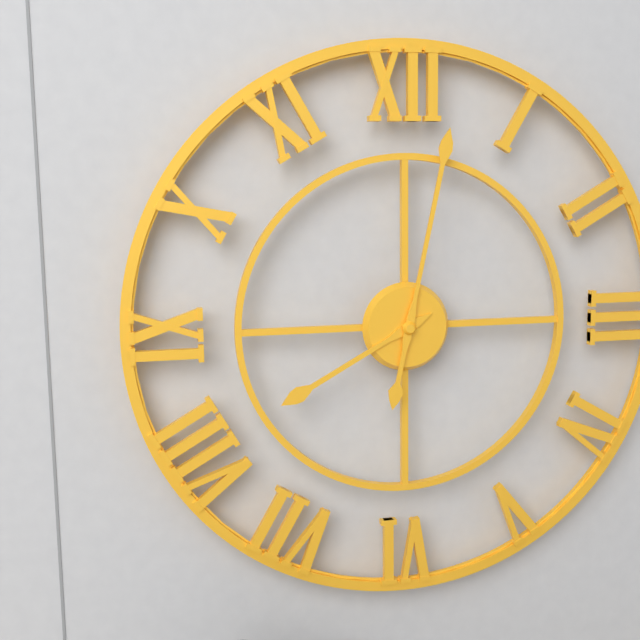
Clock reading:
8 h 02 min
